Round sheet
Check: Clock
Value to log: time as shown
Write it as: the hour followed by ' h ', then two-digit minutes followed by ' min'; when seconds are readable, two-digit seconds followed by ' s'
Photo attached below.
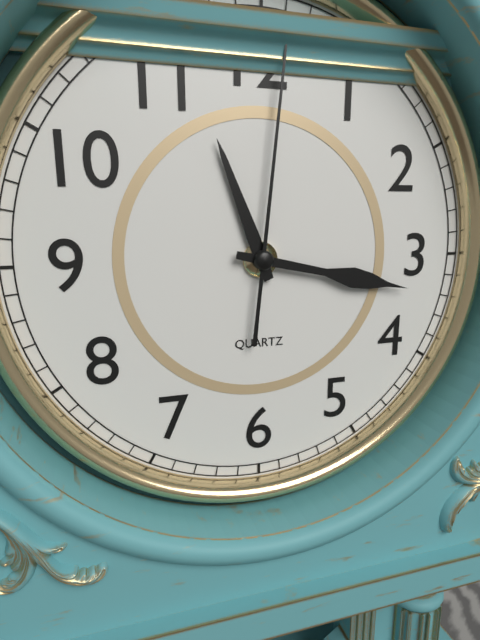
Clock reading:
11 h 17 min 01 s
